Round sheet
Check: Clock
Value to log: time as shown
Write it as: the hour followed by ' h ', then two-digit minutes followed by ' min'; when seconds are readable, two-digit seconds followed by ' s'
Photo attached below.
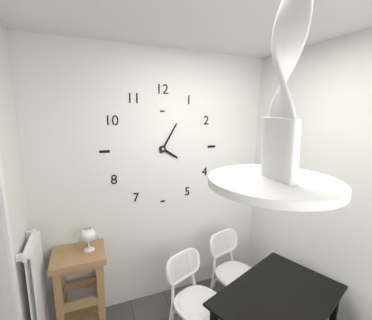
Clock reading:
4 h 05 min
